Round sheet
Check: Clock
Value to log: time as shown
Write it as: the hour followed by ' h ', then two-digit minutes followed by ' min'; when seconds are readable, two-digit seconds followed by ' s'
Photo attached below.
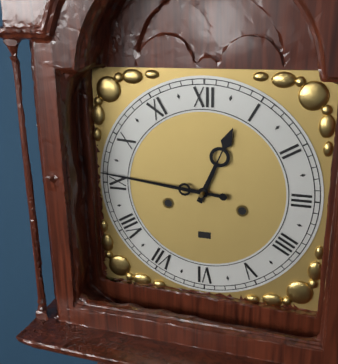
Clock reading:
12 h 46 min
